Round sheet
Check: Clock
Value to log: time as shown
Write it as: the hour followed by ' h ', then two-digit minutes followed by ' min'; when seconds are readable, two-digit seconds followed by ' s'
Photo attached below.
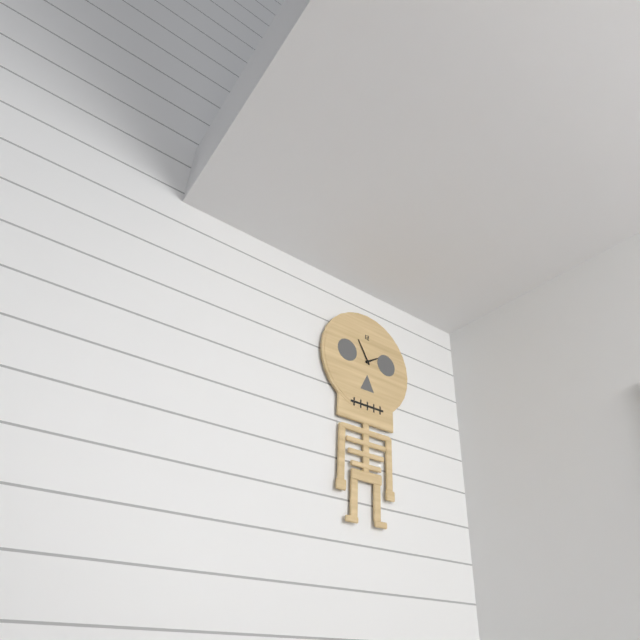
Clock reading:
1 h 55 min
